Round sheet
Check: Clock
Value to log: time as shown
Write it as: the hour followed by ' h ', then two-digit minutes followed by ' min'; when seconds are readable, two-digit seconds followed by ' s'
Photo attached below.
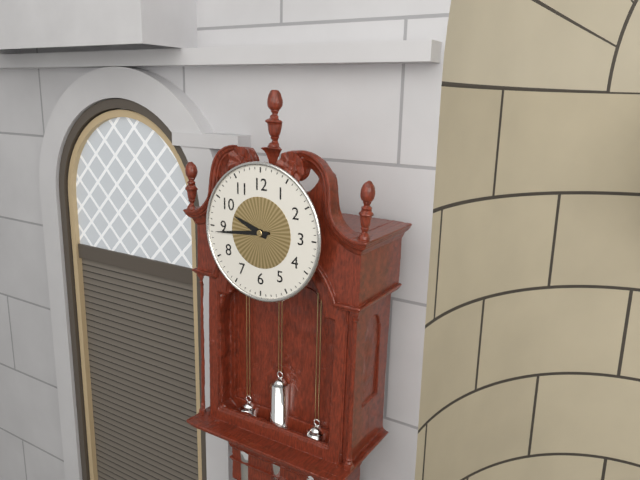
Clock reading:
9 h 44 min
